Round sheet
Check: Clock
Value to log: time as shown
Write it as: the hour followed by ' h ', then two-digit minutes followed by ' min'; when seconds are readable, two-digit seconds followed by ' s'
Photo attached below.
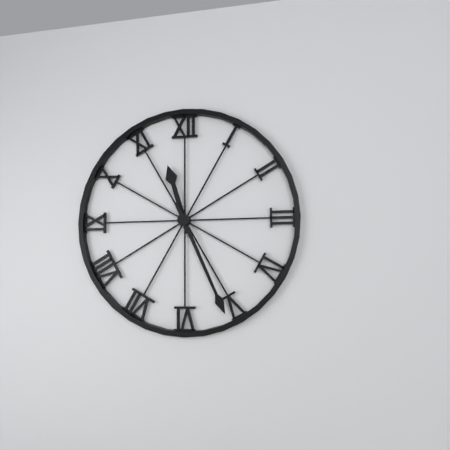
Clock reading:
11 h 26 min
